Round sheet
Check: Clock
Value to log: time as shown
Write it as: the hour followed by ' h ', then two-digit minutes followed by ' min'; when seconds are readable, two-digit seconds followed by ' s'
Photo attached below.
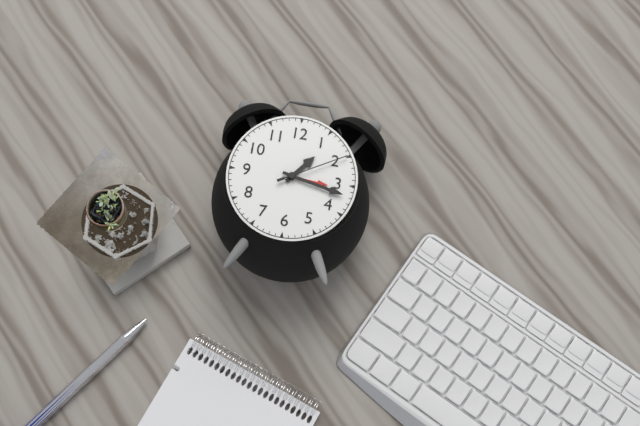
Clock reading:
1 h 17 min 10 s
